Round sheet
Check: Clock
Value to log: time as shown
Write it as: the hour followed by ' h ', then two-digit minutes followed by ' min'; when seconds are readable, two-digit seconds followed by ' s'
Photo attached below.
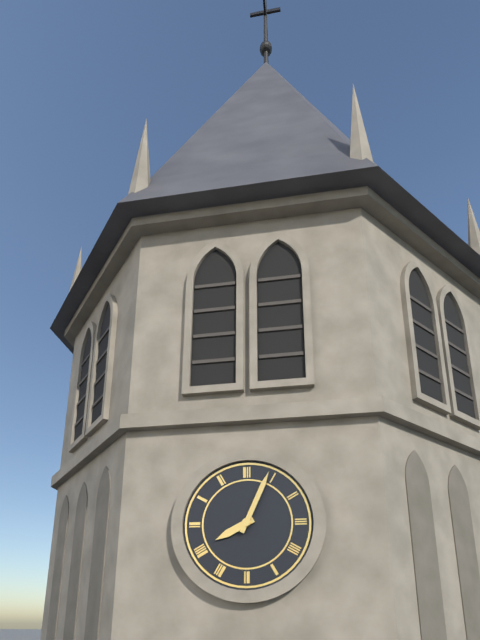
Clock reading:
8 h 04 min
